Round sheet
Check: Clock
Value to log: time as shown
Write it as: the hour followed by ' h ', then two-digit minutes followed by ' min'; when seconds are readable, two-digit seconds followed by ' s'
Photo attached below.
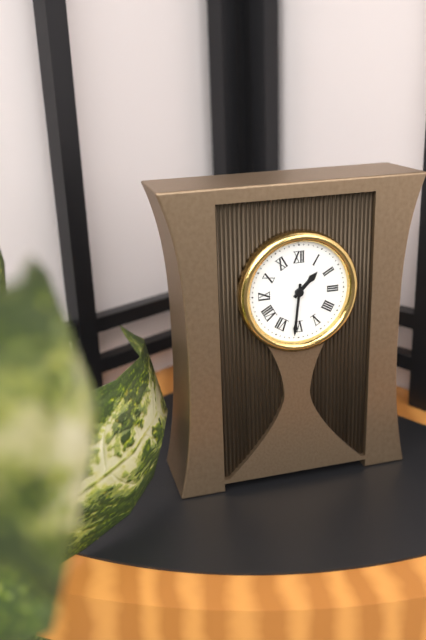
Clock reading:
1 h 31 min
